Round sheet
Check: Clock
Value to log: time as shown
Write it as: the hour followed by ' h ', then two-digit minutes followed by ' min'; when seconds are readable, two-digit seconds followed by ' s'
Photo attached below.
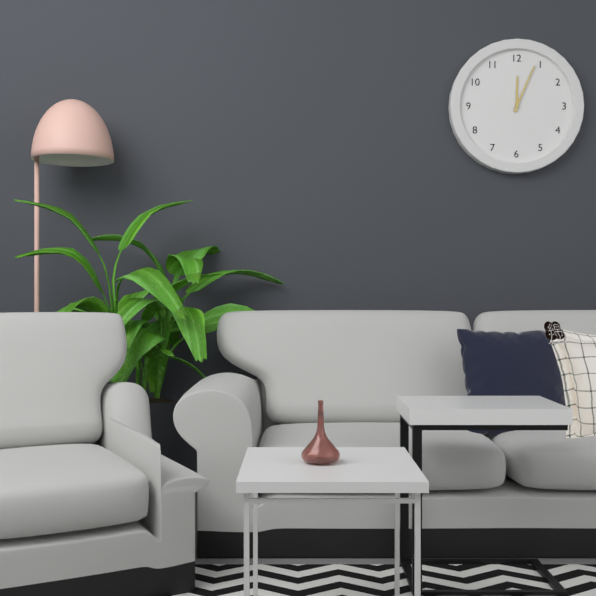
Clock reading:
12 h 04 min
